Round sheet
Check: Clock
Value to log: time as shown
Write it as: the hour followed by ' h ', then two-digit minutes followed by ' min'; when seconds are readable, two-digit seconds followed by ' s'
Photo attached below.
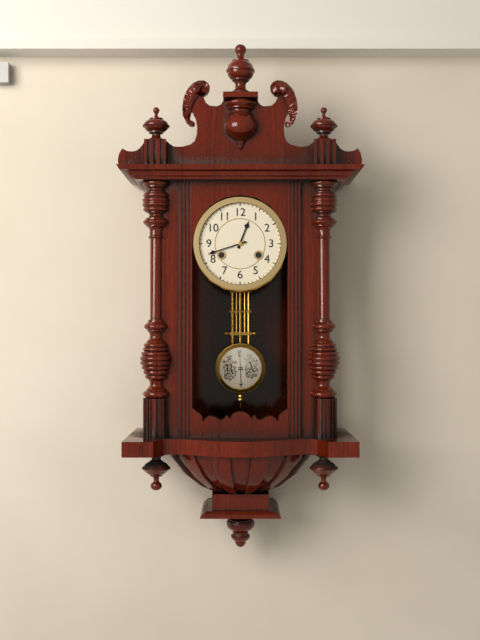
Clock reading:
12 h 42 min
